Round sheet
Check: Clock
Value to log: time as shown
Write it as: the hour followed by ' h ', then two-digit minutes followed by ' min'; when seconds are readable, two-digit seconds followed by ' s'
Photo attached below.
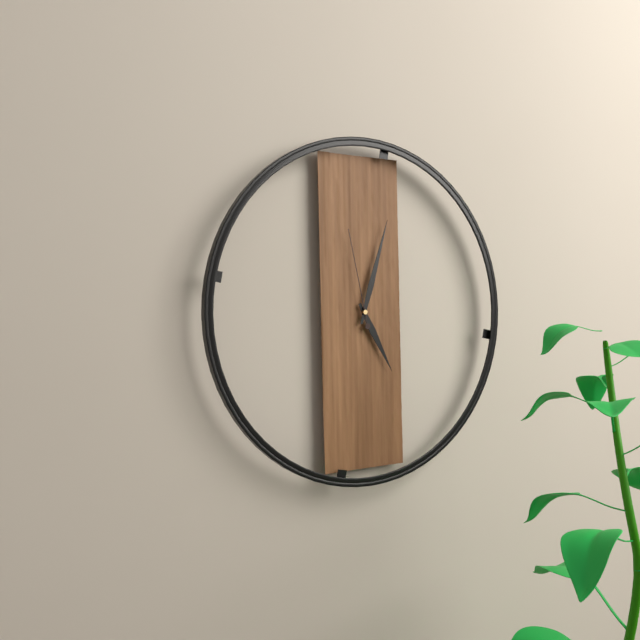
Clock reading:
5 h 03 min 58 s
